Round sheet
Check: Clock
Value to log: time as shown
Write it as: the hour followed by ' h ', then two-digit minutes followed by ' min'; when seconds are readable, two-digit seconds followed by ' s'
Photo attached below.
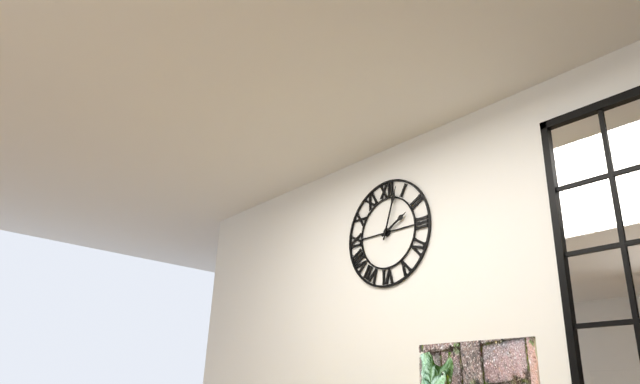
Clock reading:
2 h 03 min
